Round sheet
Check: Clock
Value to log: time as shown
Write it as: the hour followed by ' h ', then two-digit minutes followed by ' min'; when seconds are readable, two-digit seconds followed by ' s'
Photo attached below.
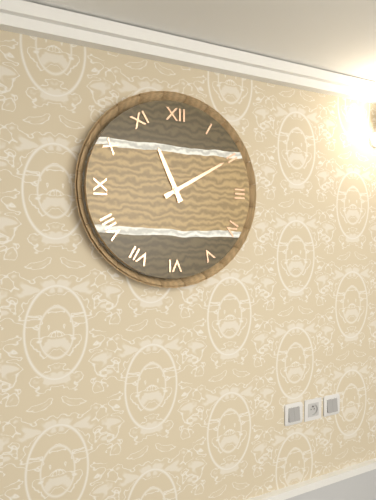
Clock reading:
11 h 10 min
